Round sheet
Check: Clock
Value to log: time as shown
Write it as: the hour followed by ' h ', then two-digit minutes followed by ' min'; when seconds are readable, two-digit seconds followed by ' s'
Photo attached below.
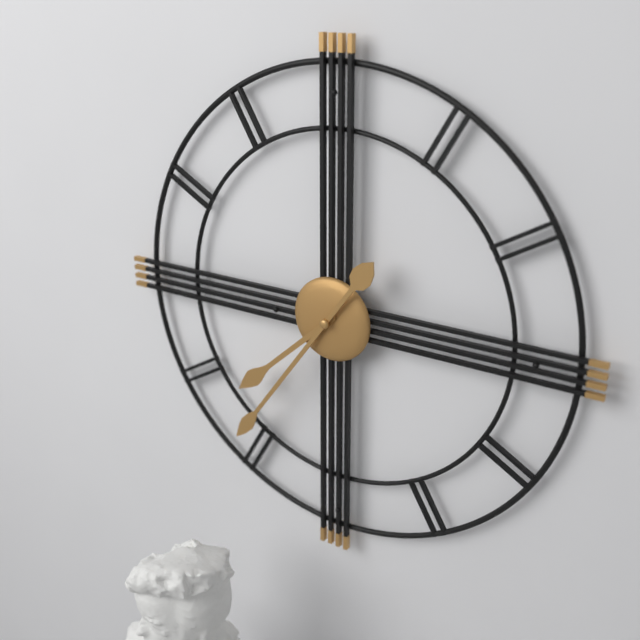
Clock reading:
7 h 36 min
